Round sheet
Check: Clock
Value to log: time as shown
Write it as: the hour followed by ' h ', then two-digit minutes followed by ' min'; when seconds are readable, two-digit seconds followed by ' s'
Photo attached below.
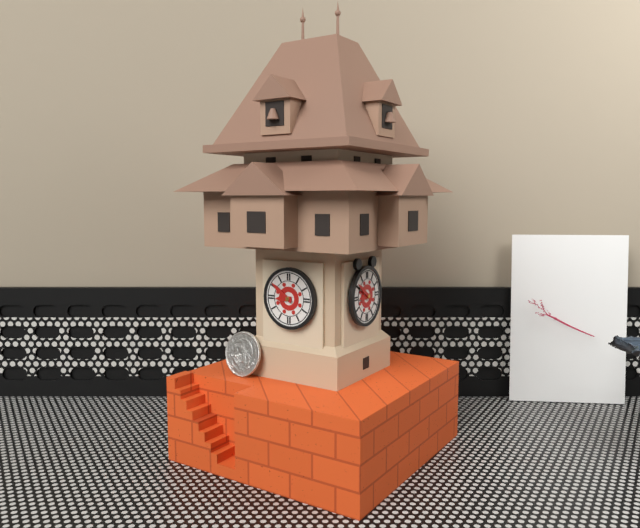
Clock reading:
8 h 51 min
